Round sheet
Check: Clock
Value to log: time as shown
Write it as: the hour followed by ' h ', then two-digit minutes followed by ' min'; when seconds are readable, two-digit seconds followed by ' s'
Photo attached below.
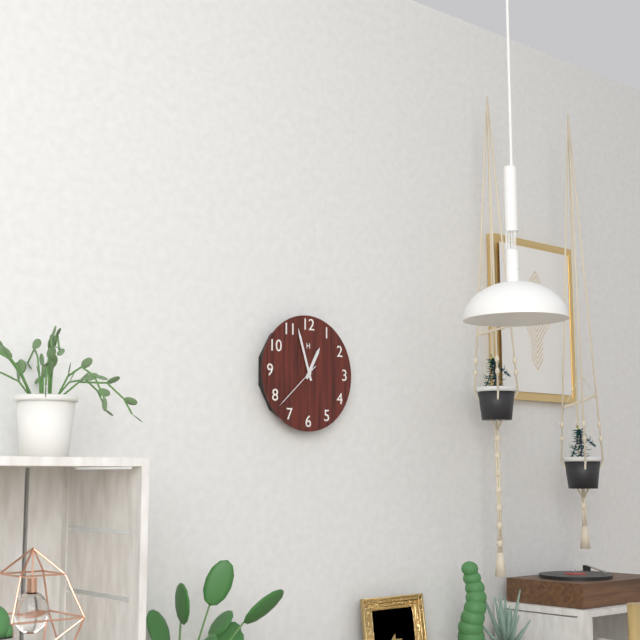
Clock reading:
12 h 57 min 38 s
